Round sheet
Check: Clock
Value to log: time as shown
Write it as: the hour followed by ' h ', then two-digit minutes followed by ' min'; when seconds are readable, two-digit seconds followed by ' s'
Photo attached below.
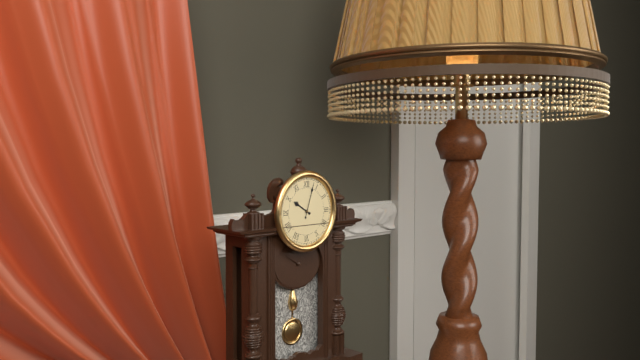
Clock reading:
10 h 03 min
